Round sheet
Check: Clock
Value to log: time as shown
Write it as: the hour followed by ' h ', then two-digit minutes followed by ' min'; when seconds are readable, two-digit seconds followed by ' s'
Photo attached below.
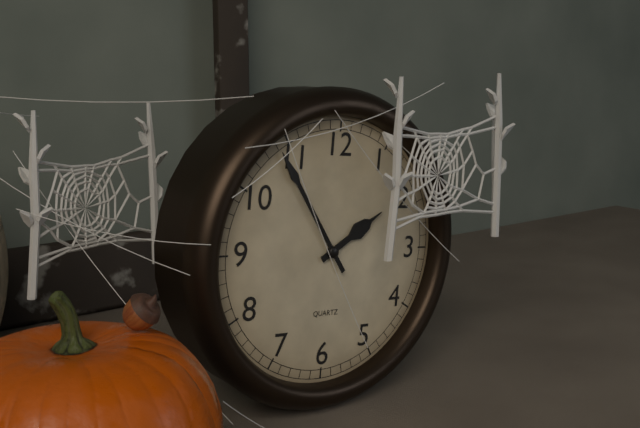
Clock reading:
1 h 54 min
